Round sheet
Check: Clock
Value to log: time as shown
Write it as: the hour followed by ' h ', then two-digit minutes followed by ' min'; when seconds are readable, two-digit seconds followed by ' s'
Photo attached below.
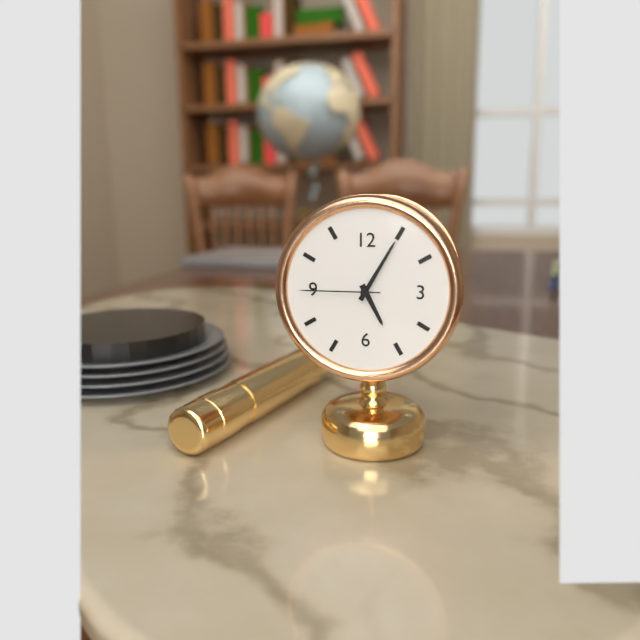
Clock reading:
5 h 05 min 45 s
